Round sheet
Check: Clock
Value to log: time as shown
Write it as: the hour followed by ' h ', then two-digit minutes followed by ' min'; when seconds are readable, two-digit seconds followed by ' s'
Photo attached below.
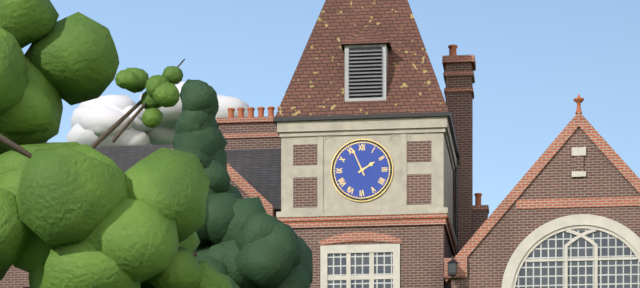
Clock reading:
1 h 56 min
